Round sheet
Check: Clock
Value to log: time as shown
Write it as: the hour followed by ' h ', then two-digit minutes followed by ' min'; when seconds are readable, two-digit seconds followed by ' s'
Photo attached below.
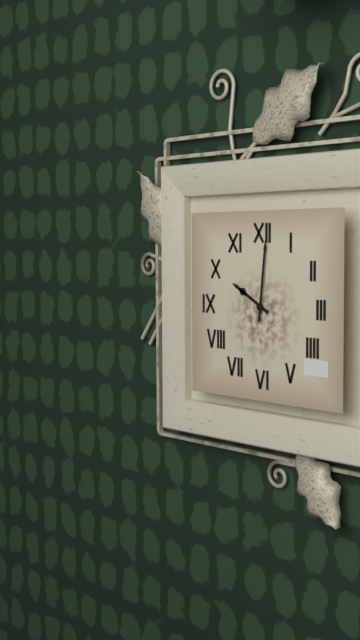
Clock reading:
10 h 01 min
